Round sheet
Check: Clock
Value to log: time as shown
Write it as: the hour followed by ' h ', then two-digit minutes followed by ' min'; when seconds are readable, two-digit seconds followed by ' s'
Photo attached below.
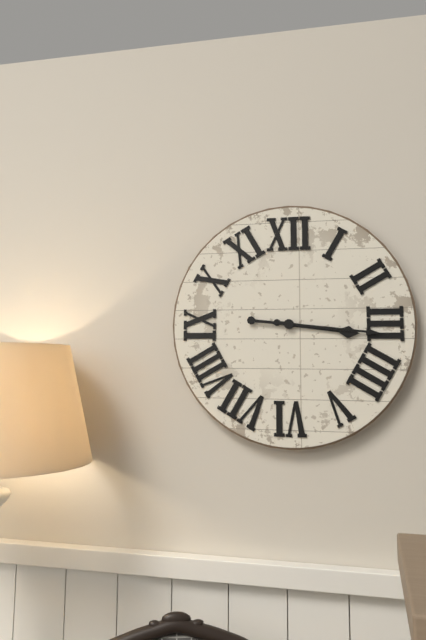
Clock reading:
3 h 16 min
